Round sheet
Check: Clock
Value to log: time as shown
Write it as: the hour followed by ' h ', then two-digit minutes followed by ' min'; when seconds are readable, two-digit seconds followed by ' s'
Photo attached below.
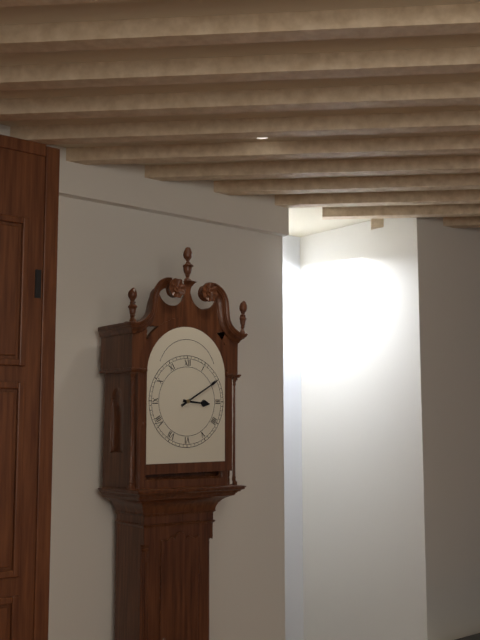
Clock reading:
3 h 10 min
